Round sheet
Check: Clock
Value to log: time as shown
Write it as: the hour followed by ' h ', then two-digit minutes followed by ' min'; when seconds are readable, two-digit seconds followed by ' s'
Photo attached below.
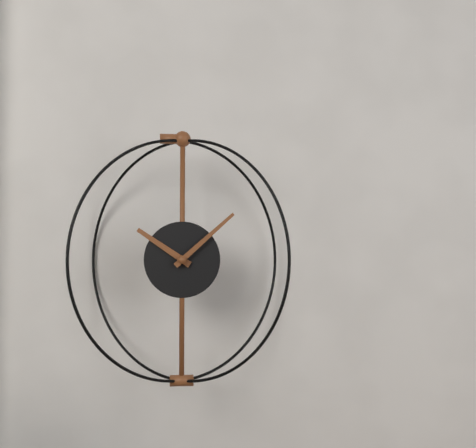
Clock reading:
10 h 08 min
